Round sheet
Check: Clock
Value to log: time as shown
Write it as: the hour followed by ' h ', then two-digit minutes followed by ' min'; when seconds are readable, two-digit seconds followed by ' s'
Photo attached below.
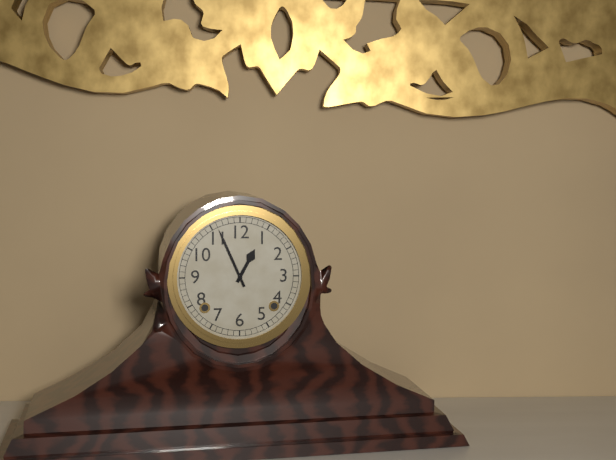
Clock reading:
12 h 56 min
